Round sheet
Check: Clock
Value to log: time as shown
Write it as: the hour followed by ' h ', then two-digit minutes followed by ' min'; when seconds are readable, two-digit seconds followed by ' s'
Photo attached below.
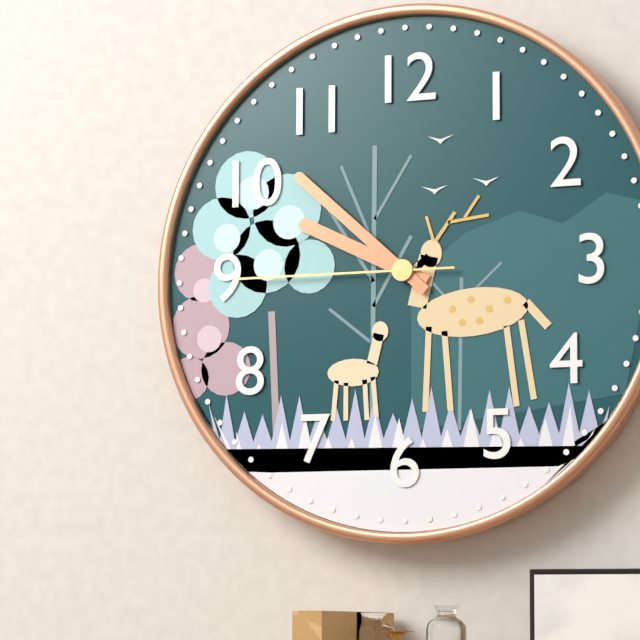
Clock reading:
9 h 52 min 45 s
